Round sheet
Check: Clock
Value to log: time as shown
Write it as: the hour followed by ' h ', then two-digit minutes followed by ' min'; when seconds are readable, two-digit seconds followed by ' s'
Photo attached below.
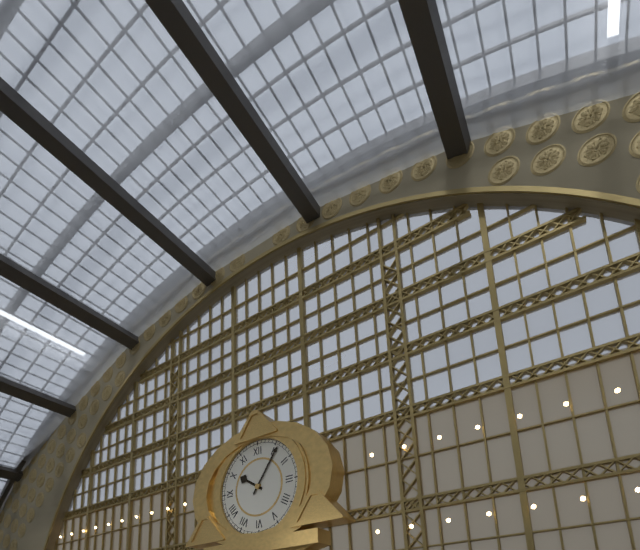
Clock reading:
10 h 06 min
